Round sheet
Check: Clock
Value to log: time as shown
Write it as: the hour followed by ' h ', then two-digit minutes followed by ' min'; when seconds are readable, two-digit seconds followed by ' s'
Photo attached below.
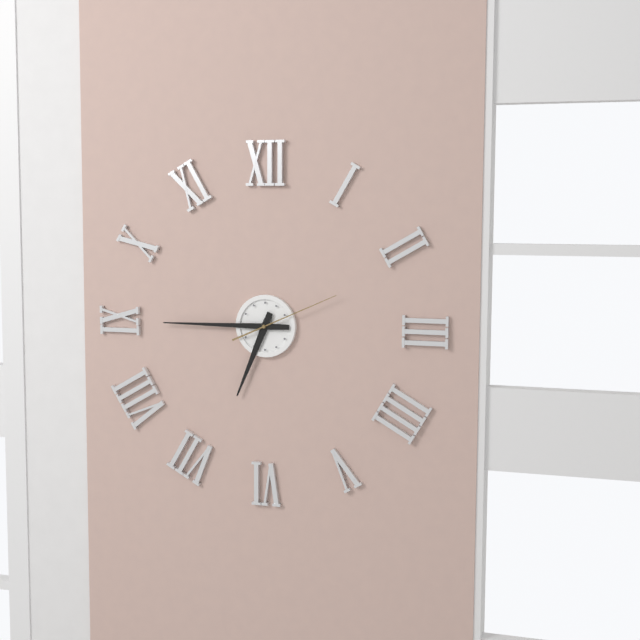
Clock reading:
6 h 45 min 11 s
